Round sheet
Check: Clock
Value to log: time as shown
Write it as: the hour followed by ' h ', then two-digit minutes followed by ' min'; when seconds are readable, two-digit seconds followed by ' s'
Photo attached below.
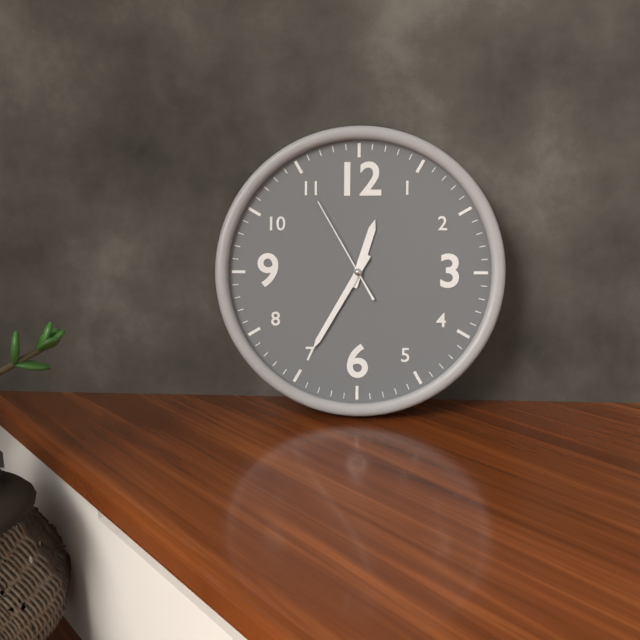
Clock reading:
12 h 35 min 55 s
